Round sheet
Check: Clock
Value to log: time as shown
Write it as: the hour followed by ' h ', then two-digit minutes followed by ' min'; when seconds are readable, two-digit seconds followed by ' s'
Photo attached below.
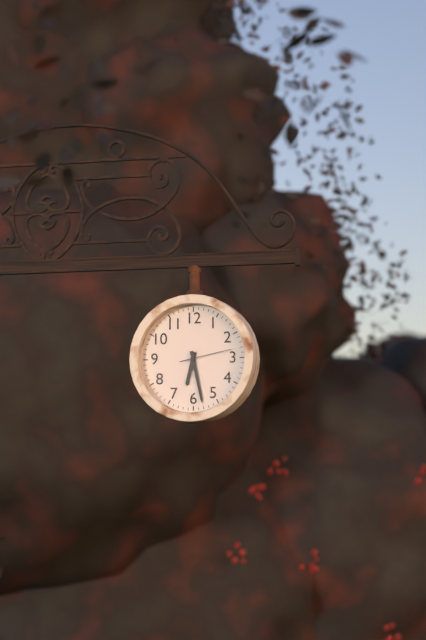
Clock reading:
6 h 28 min 13 s
